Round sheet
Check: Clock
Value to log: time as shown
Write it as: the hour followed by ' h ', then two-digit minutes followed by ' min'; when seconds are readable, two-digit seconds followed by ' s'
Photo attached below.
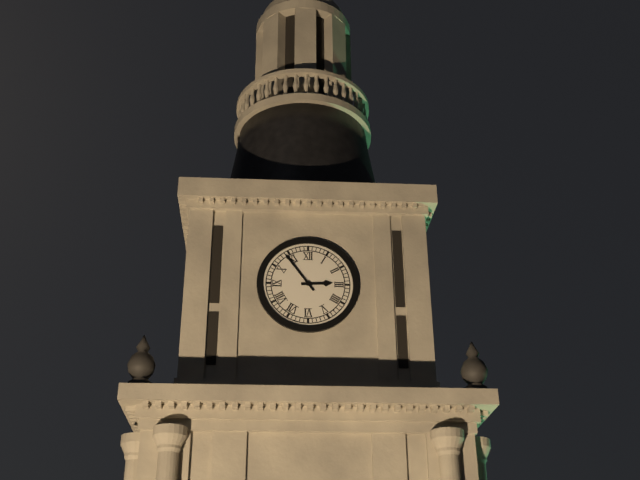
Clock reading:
2 h 54 min
